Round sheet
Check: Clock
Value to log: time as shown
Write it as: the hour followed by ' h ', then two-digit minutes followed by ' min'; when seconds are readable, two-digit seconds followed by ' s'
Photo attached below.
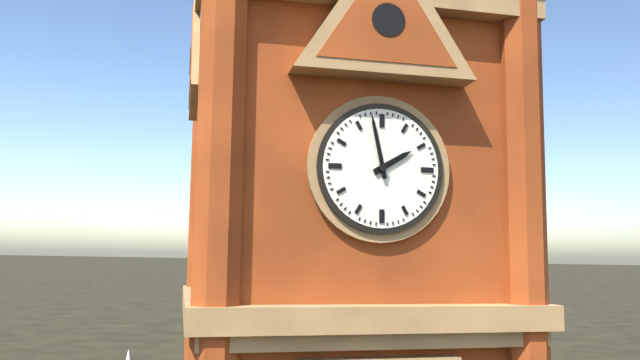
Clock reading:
1 h 58 min
